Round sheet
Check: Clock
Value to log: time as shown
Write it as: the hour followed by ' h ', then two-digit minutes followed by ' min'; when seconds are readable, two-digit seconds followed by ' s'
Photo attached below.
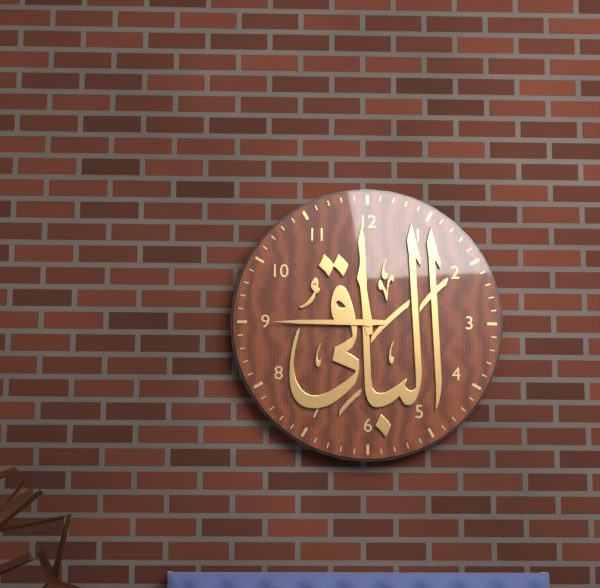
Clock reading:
11 h 45 min
